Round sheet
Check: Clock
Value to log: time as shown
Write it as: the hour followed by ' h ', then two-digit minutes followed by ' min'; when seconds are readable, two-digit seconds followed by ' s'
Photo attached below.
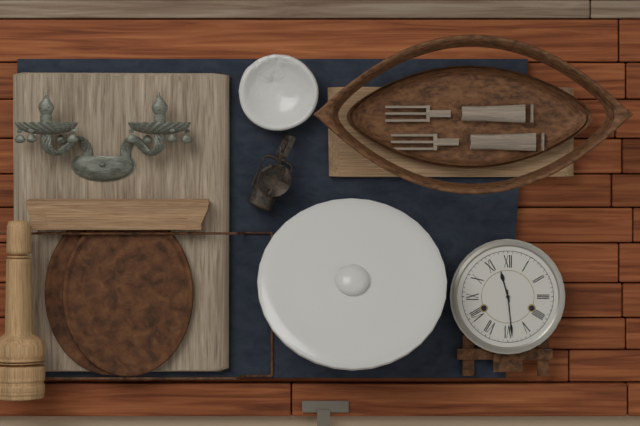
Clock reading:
11 h 29 min
